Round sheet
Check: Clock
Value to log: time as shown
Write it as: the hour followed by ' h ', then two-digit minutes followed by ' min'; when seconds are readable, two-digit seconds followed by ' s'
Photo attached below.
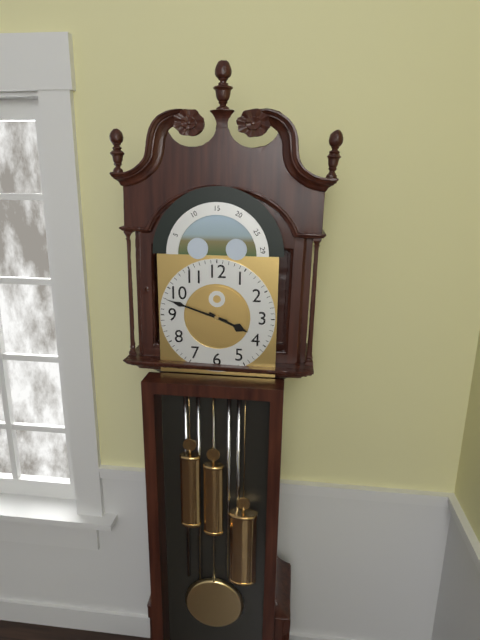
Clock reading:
3 h 48 min
